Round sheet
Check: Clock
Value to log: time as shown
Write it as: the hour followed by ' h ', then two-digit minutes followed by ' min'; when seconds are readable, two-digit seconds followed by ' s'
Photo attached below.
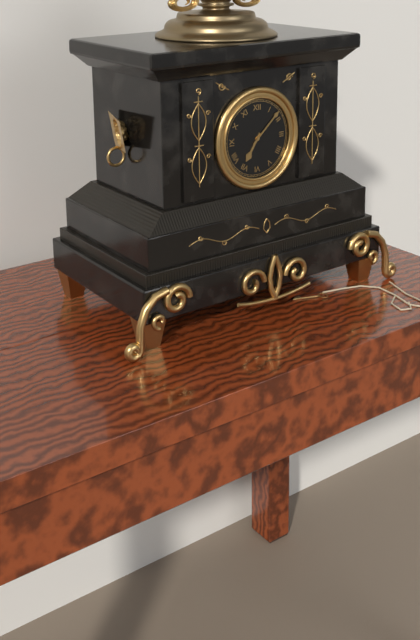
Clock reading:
7 h 08 min
